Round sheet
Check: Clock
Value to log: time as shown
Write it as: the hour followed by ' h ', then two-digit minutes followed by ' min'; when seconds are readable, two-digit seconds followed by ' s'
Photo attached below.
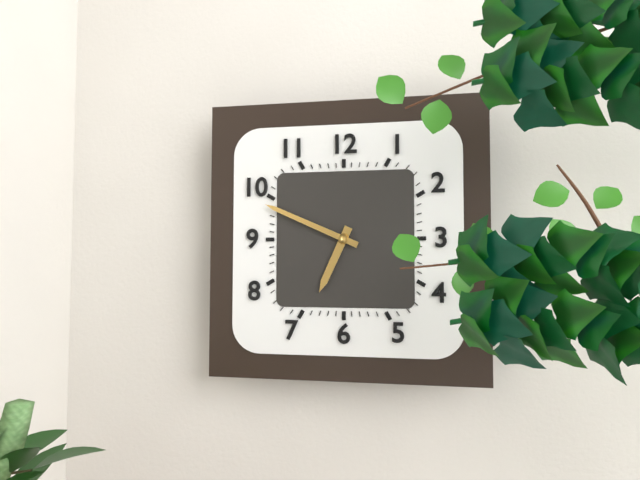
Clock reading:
6 h 49 min
